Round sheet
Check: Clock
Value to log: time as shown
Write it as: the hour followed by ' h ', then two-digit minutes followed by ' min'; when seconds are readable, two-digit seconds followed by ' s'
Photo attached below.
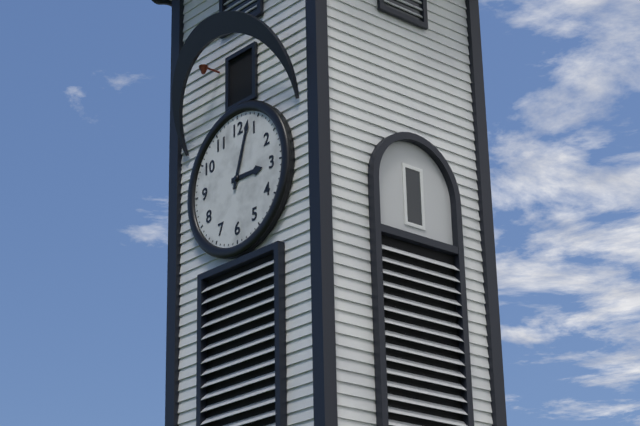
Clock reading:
3 h 03 min
